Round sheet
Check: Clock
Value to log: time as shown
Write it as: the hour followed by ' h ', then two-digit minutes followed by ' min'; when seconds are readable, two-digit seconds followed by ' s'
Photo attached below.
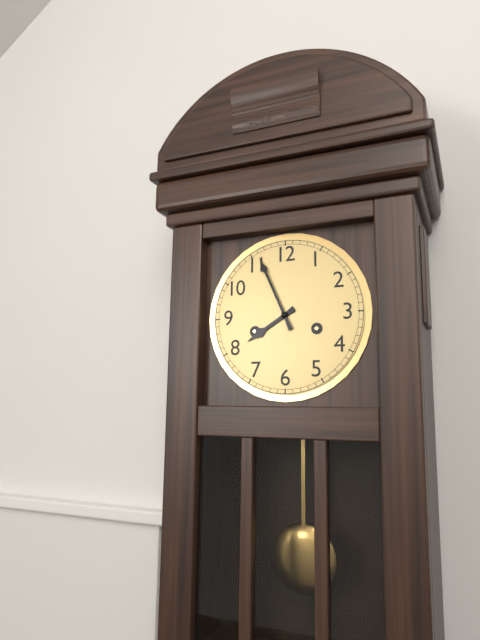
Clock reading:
7 h 56 min
